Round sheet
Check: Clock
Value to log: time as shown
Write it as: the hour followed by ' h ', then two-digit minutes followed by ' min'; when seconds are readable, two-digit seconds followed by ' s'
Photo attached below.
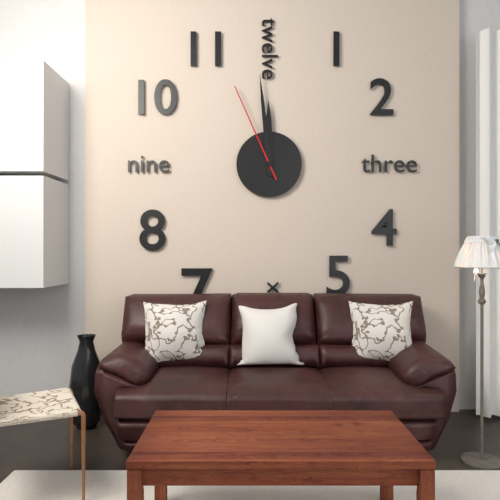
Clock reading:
11 h 59 min 56 s
